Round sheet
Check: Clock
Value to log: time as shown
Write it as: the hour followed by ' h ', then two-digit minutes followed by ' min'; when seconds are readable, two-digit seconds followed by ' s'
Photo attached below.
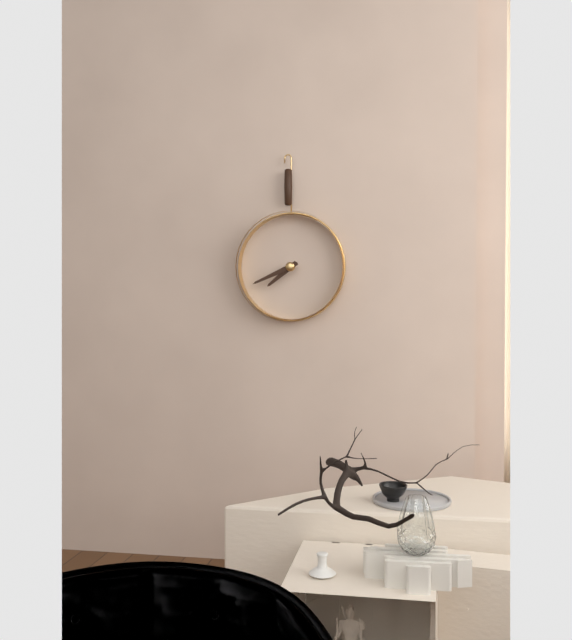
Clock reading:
7 h 41 min
